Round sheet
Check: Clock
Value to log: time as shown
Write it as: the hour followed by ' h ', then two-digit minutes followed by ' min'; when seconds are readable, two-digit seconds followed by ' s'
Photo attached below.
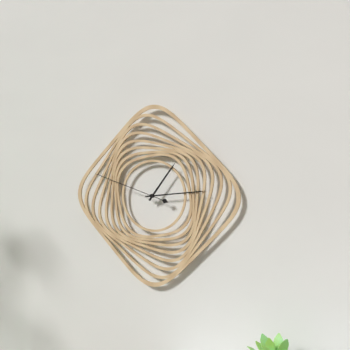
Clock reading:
1 h 14 min 48 s
